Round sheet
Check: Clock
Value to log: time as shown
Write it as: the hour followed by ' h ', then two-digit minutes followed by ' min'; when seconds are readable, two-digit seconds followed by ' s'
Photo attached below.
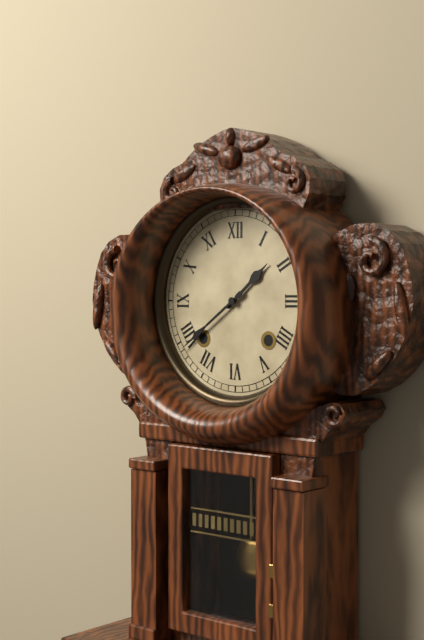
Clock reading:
1 h 39 min
